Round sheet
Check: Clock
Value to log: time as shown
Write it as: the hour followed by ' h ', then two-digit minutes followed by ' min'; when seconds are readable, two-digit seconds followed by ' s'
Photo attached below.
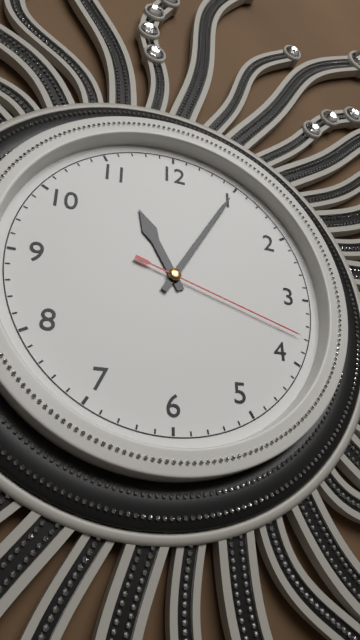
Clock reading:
11 h 05 min 18 s
